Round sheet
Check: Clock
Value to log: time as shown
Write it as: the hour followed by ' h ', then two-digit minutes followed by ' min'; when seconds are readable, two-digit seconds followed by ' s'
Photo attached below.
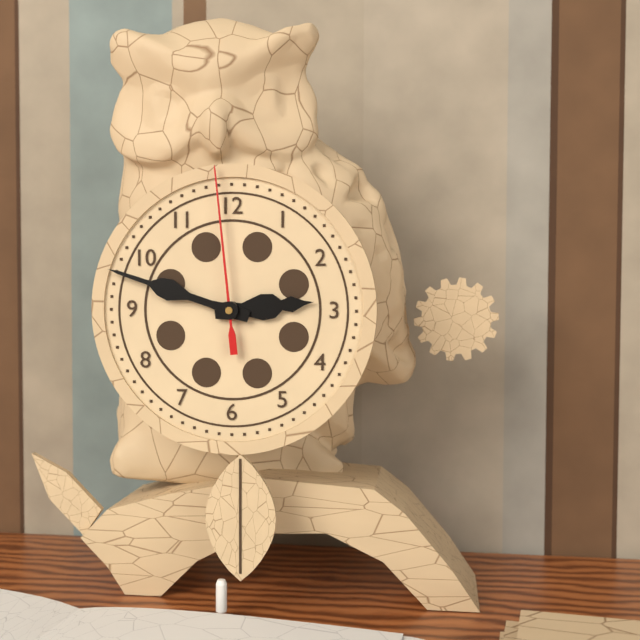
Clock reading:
2 h 48 min 59 s
